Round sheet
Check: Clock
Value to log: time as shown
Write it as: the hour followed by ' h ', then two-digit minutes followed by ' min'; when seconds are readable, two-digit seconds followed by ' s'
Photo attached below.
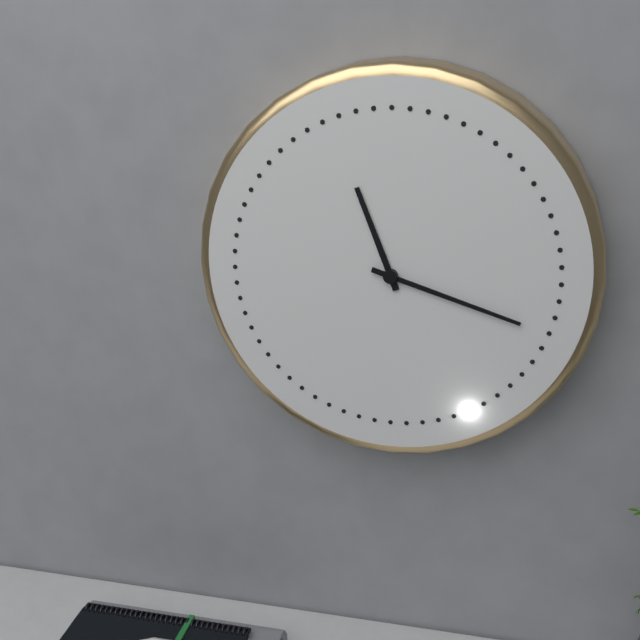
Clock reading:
11 h 18 min
